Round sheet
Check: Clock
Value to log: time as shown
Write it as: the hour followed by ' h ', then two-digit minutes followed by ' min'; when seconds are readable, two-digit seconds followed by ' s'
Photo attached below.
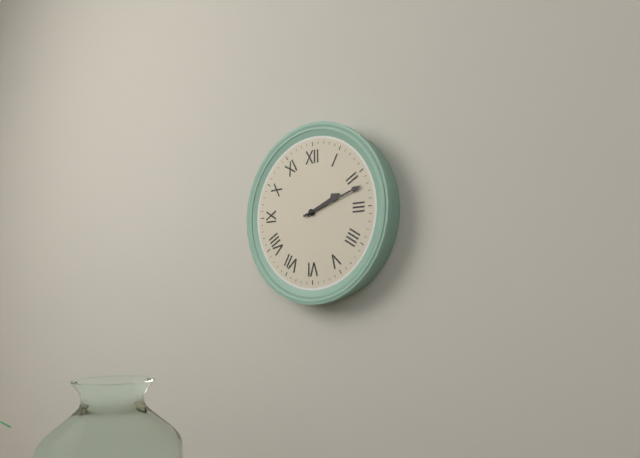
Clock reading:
2 h 12 min
